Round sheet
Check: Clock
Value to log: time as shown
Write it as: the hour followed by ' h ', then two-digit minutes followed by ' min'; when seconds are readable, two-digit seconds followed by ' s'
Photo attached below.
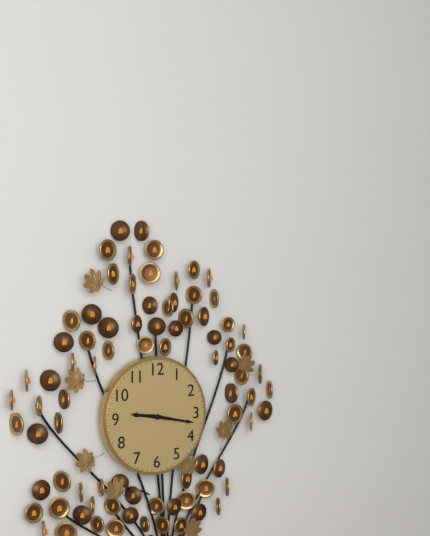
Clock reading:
9 h 17 min
